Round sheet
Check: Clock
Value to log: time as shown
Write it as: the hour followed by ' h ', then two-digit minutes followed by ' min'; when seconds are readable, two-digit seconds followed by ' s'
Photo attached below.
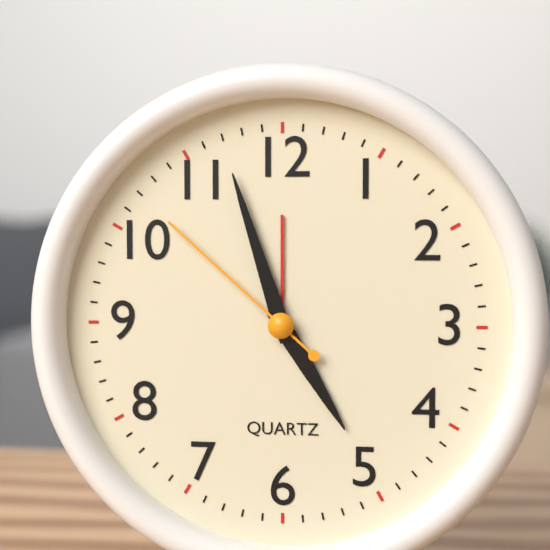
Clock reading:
4 h 57 min 52 s
